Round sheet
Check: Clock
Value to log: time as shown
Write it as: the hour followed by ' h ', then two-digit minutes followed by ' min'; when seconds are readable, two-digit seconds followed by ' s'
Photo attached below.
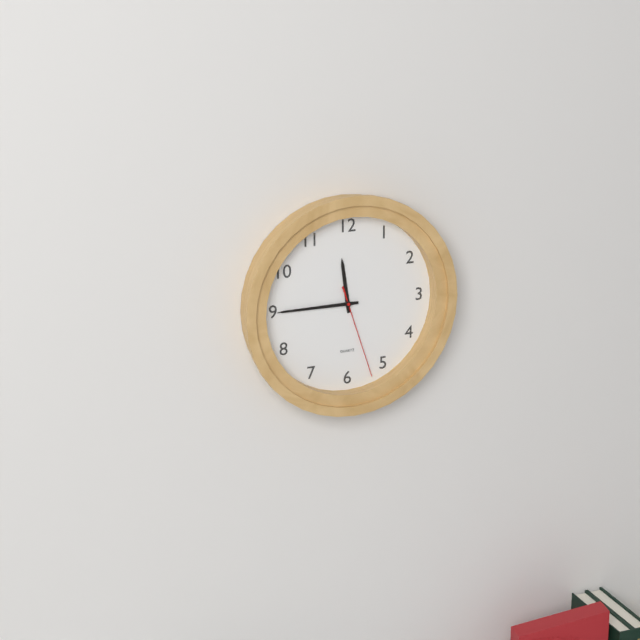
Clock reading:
11 h 45 min 27 s
